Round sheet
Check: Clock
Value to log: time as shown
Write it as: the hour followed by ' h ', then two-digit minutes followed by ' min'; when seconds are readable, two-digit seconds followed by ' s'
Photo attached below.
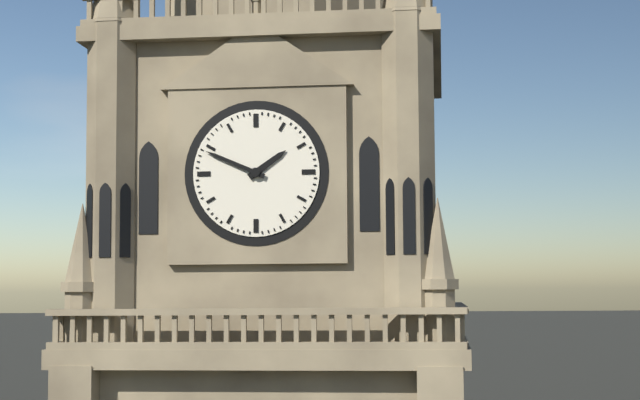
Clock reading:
1 h 49 min
